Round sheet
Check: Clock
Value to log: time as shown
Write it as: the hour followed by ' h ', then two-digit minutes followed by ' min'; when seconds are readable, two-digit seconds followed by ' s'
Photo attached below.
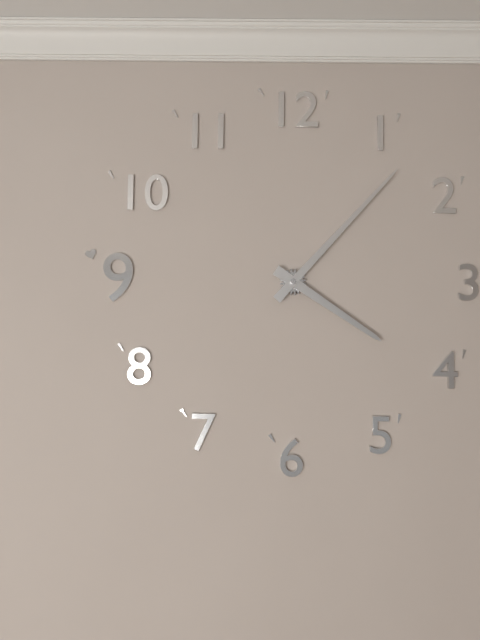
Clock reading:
4 h 07 min
